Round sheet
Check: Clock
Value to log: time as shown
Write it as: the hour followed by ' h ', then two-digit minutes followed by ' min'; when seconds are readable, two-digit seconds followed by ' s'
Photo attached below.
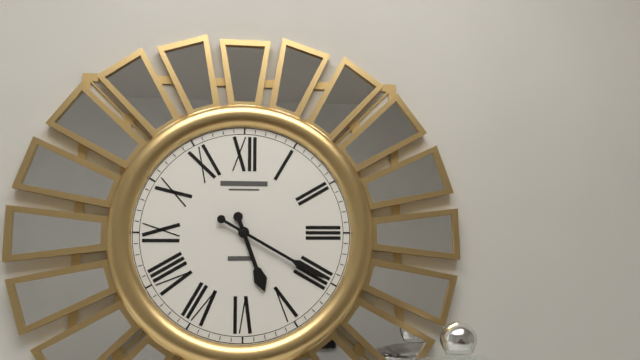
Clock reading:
5 h 20 min
